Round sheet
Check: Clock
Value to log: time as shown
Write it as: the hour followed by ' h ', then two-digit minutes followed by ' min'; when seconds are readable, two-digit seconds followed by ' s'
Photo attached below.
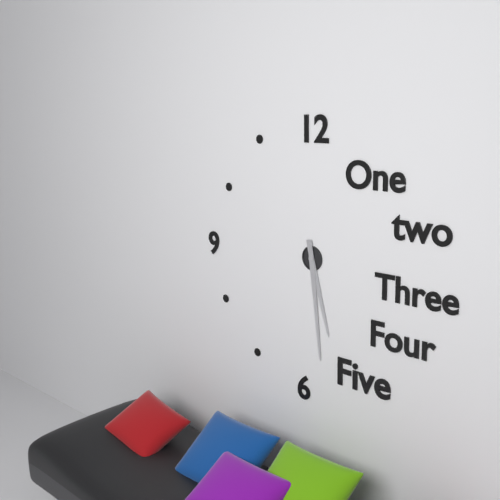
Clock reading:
5 h 29 min
